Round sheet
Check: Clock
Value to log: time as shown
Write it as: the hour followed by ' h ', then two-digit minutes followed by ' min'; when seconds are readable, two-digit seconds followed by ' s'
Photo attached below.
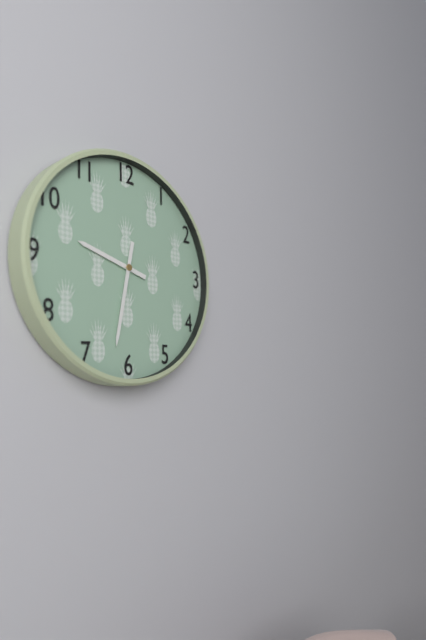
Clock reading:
9 h 32 min
